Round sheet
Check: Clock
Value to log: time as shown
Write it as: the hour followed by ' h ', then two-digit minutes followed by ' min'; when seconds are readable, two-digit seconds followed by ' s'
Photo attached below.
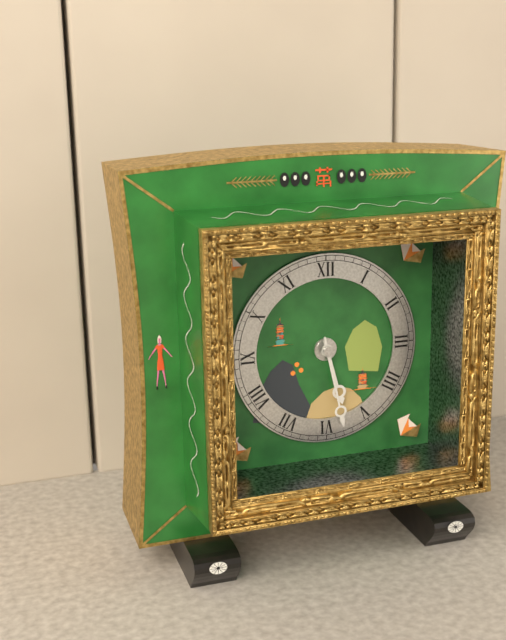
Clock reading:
5 h 28 min
